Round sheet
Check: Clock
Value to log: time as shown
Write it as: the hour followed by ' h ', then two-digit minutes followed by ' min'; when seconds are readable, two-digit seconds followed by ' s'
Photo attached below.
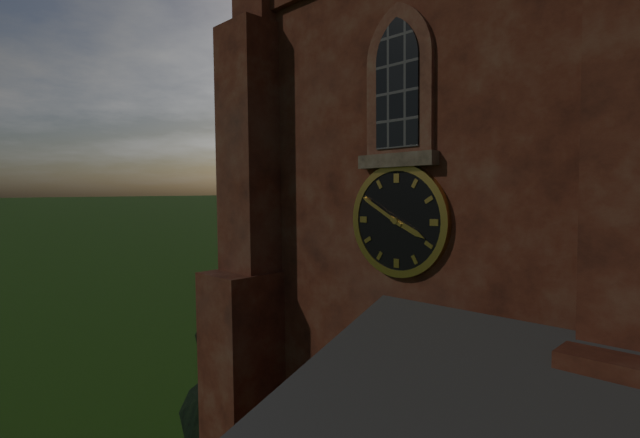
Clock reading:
3 h 50 min
